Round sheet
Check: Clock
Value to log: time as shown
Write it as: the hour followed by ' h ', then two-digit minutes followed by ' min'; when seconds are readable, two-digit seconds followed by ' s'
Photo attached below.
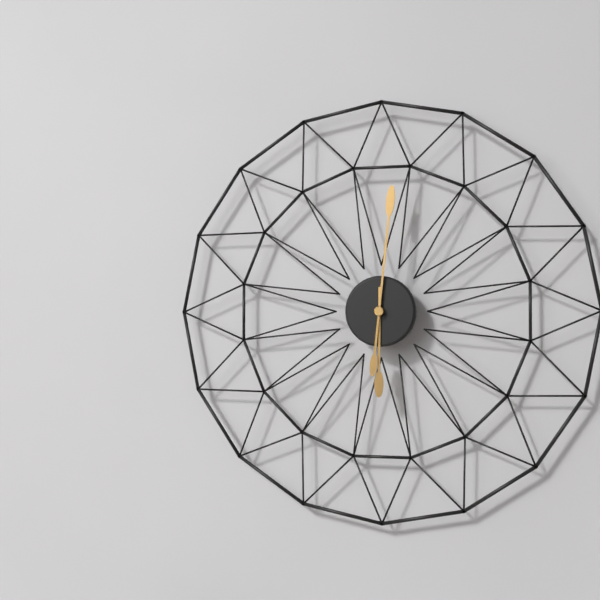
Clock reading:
6 h 01 min
